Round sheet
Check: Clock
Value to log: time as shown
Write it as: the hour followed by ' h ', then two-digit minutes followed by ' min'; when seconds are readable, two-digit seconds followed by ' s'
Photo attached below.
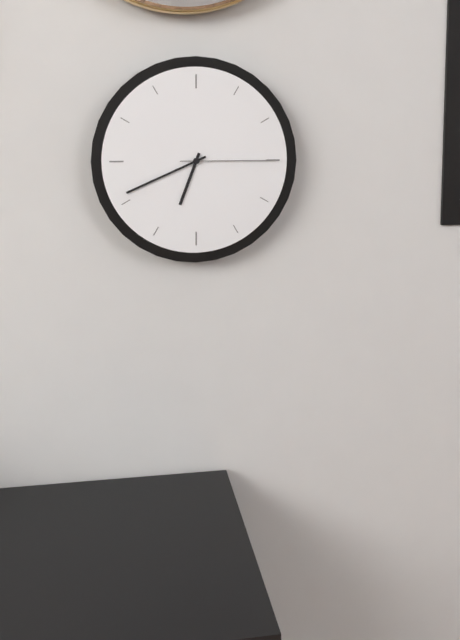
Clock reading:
6 h 41 min 15 s
